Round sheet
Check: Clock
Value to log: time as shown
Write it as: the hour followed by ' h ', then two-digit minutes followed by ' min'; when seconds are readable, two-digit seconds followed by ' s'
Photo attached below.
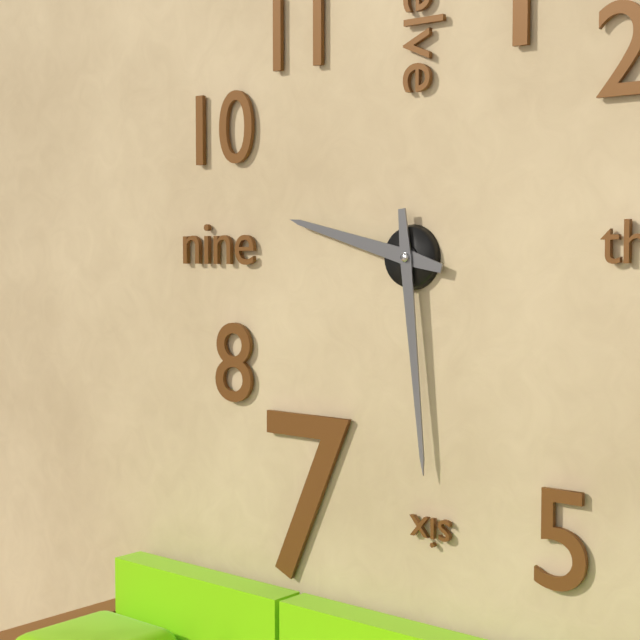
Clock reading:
9 h 29 min
